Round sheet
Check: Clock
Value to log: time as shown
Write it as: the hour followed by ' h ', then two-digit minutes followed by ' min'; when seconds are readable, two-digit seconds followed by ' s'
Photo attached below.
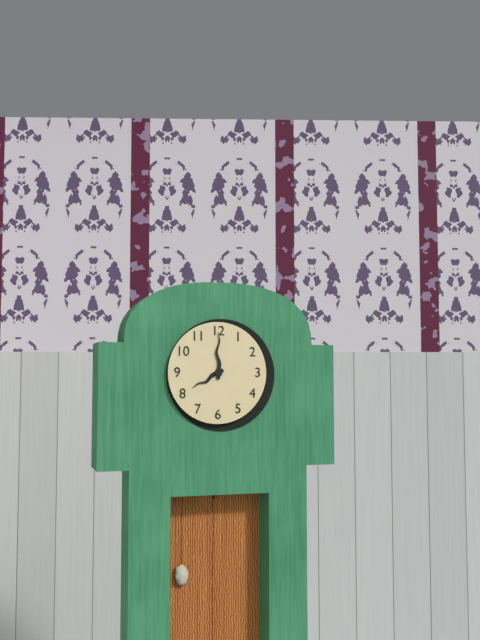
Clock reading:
8 h 00 min
